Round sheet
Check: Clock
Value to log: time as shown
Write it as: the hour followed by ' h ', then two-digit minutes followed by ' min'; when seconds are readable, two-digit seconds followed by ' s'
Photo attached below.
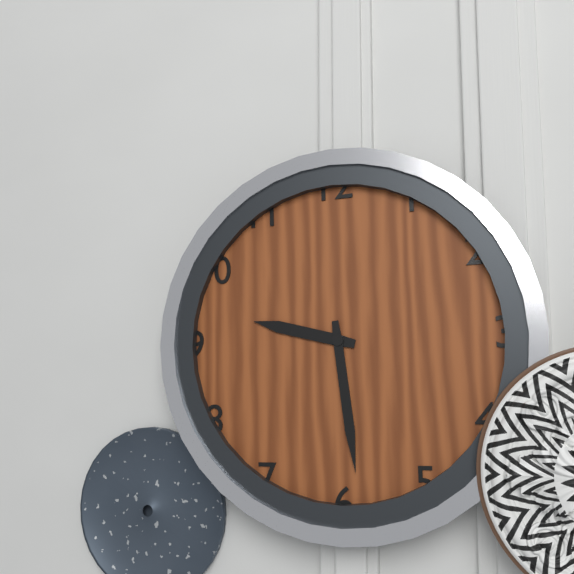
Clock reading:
9 h 29 min
